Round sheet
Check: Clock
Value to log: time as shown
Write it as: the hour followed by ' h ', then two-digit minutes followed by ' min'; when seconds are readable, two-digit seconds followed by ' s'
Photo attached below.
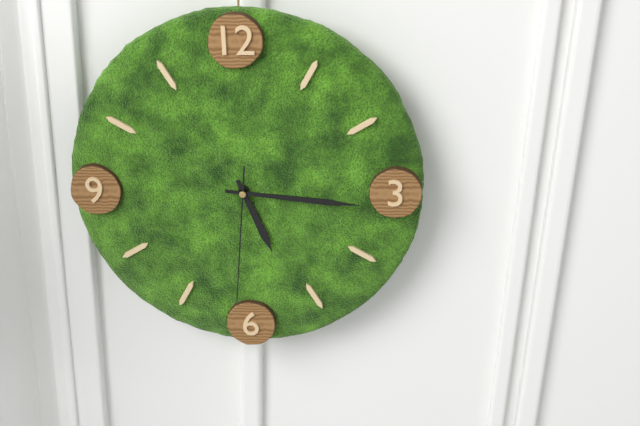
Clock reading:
5 h 16 min 31 s
